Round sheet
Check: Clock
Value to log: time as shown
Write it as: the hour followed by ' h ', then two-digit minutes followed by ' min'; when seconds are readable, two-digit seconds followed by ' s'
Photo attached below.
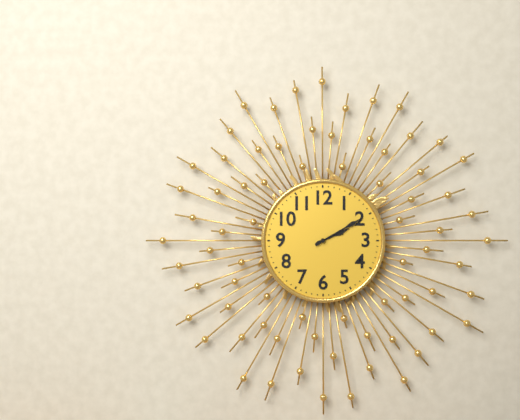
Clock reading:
2 h 10 min
